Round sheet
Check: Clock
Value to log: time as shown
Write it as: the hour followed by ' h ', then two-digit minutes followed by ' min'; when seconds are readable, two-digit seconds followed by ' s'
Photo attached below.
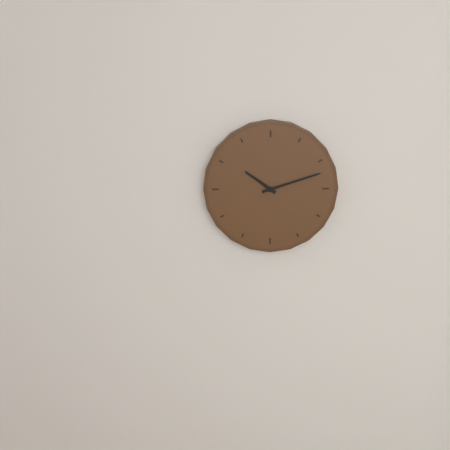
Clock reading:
10 h 12 min
